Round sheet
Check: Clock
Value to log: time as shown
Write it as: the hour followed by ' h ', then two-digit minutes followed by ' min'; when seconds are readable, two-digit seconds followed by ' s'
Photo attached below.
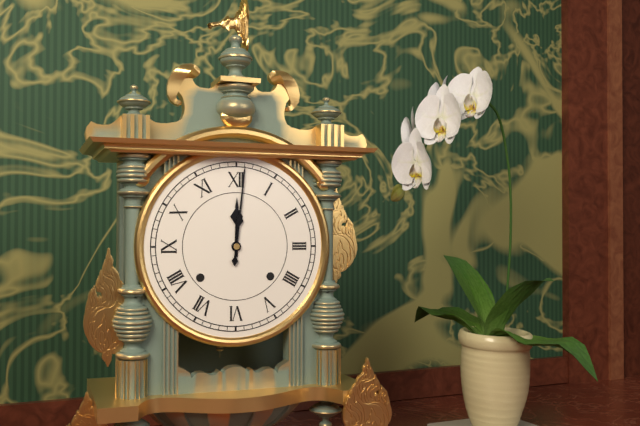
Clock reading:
12 h 01 min
